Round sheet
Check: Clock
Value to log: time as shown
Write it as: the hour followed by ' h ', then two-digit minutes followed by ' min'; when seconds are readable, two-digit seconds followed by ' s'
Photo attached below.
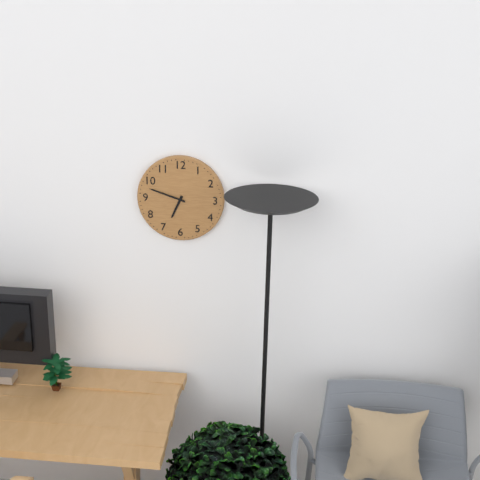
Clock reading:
6 h 48 min
